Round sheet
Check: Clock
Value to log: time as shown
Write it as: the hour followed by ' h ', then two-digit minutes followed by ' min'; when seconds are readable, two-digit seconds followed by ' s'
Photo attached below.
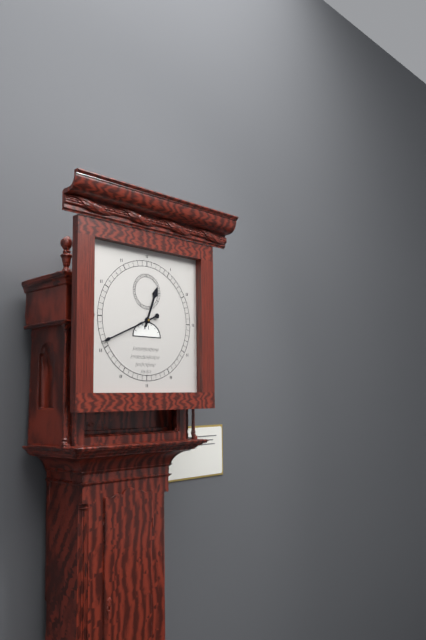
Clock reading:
12 h 41 min
